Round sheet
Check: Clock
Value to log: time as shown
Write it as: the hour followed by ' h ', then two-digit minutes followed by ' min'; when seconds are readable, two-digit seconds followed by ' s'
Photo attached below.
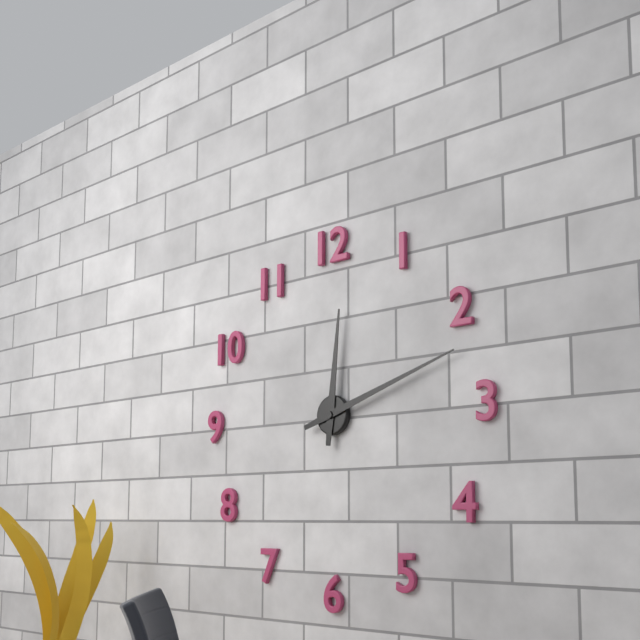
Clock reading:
12 h 12 min
